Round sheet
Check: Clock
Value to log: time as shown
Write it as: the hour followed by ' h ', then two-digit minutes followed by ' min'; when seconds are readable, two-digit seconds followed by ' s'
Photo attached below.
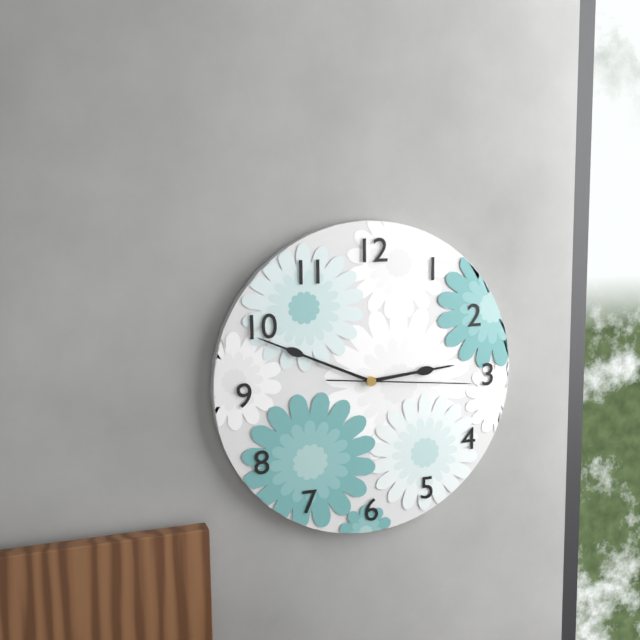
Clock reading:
2 h 49 min 16 s
